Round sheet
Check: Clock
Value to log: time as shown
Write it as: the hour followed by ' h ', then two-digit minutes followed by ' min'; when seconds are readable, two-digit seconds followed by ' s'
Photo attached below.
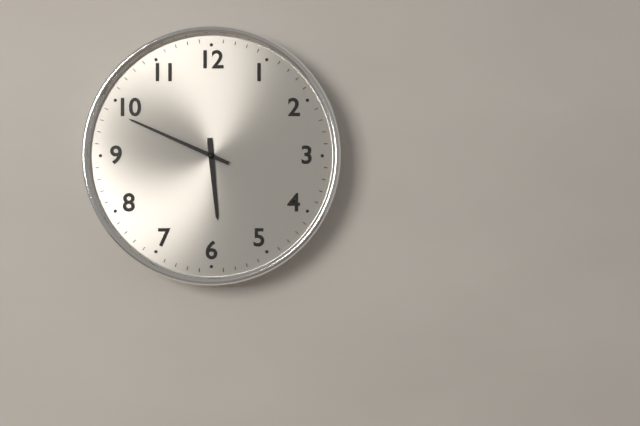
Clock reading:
5 h 49 min
